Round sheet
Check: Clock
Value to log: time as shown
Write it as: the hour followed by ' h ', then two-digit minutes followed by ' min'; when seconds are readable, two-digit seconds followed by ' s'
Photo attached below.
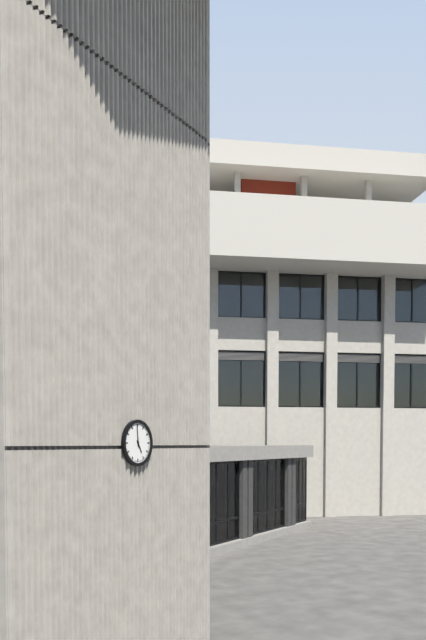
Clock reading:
4 h 59 min
